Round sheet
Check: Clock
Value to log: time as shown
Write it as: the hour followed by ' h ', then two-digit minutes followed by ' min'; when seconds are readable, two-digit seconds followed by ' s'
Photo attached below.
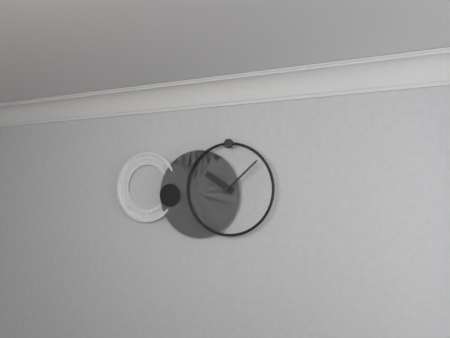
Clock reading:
10 h 08 min
